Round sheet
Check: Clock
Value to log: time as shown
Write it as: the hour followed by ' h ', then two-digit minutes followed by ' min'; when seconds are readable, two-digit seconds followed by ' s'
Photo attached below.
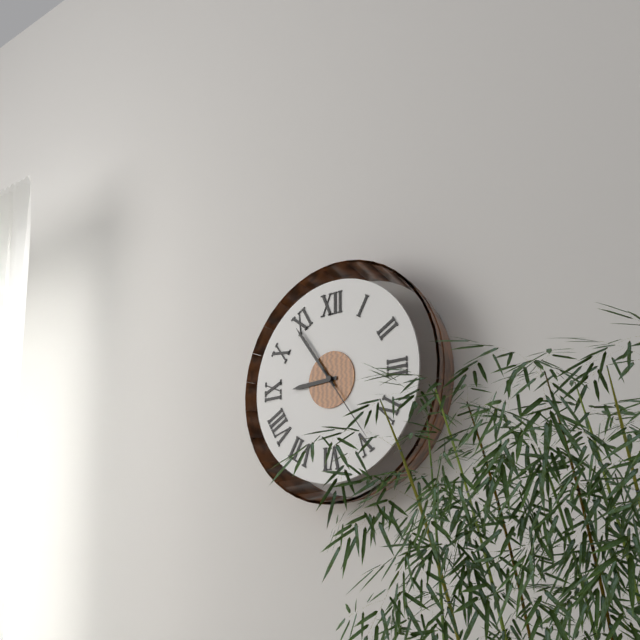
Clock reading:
8 h 54 min 24 s
